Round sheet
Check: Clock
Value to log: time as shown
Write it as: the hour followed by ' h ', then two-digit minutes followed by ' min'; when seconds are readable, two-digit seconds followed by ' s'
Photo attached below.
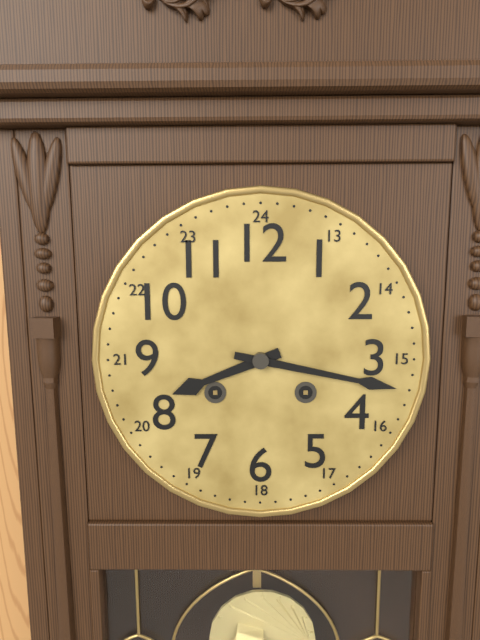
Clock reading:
8 h 17 min
